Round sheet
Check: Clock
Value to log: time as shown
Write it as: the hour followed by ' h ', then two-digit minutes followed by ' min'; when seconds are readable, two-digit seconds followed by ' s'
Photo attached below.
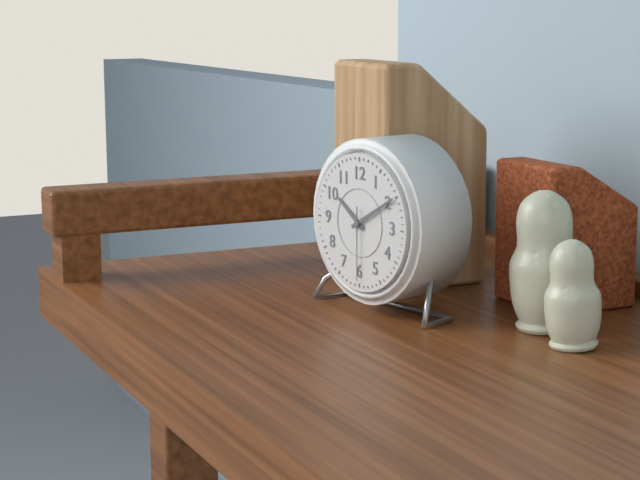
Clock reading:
10 h 10 min 30 s
